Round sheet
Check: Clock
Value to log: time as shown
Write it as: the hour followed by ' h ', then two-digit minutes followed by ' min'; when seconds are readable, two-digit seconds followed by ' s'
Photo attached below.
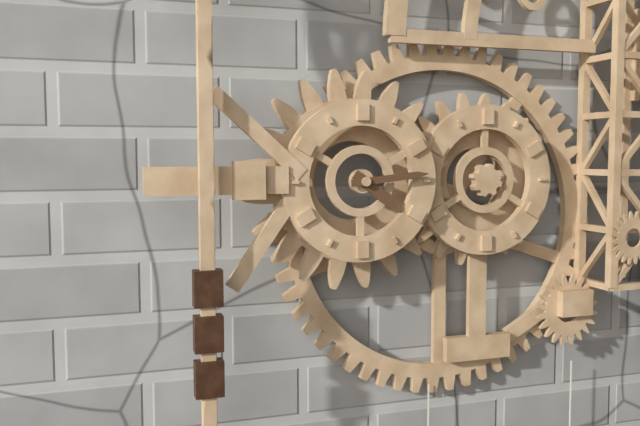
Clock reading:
4 h 14 min
